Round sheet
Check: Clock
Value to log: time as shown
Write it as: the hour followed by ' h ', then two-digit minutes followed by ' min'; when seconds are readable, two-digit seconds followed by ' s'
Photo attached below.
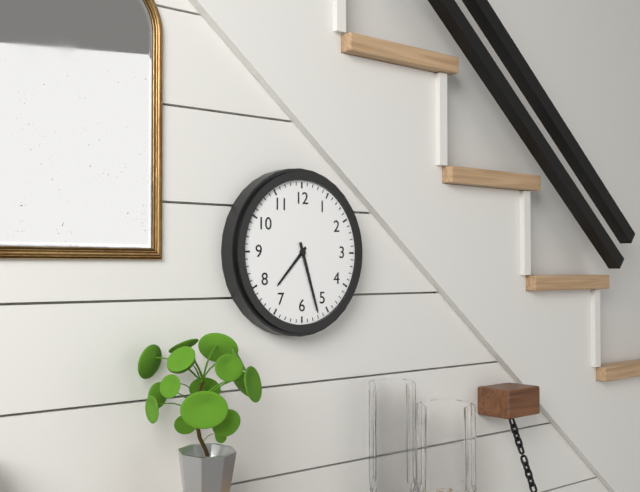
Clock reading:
7 h 27 min
